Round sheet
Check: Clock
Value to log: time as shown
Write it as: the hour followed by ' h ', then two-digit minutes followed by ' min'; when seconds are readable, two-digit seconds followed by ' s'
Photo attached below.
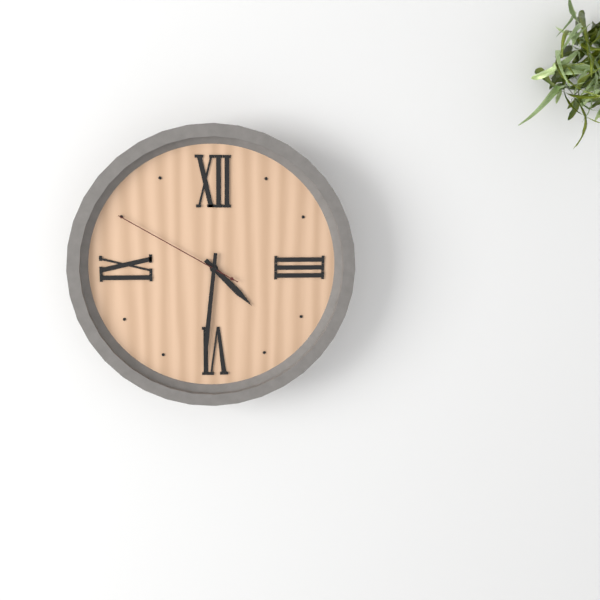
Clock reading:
4 h 31 min 50 s
